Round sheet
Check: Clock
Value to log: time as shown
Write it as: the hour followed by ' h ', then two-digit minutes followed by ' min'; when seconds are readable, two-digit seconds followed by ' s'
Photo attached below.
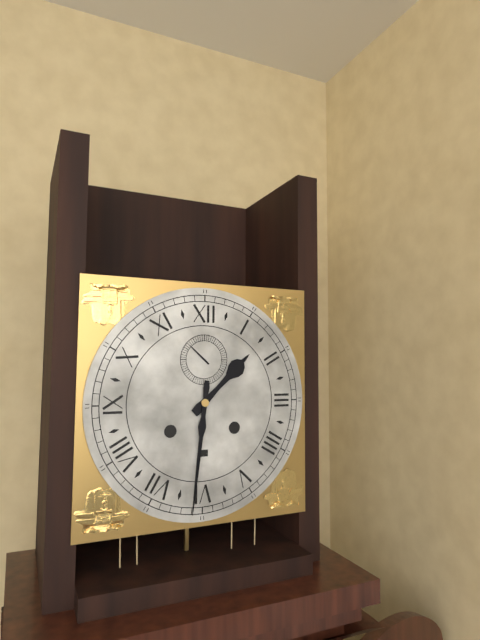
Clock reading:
1 h 31 min
